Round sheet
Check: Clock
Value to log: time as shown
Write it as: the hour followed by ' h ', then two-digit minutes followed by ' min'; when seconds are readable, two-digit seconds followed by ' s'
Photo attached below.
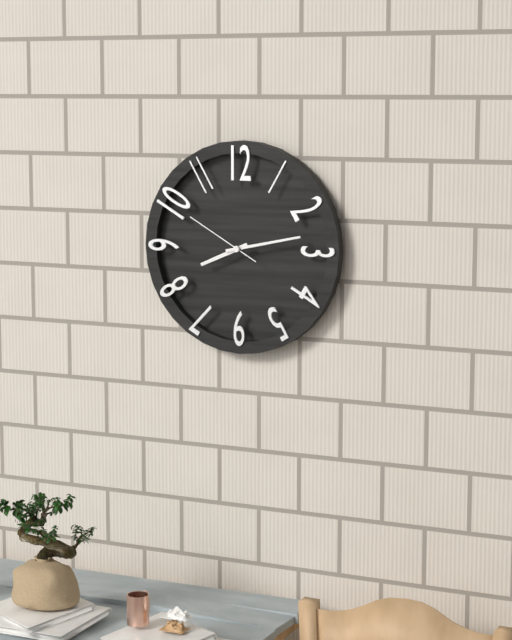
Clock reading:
8 h 13 min 50 s
